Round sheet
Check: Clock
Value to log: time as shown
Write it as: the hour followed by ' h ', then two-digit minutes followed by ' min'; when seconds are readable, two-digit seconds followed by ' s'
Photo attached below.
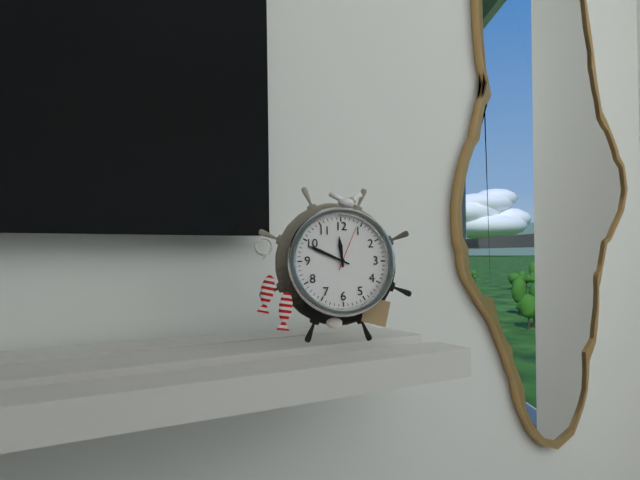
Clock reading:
11 h 49 min
